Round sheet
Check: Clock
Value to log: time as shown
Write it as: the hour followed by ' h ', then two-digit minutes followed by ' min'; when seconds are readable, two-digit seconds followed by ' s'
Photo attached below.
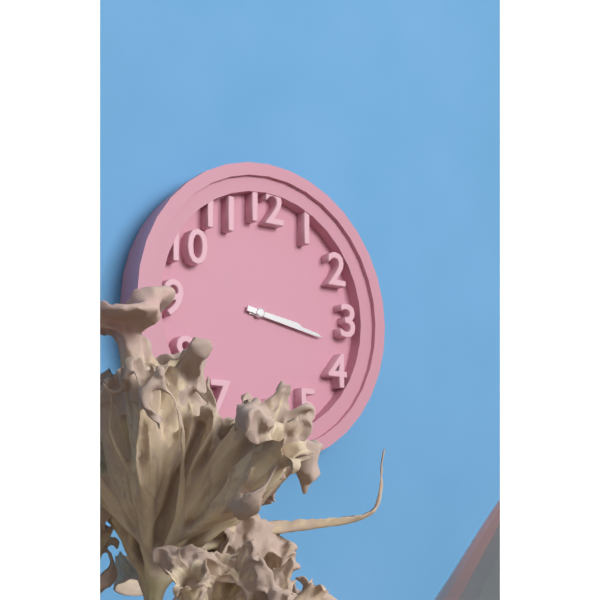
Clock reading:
3 h 17 min
